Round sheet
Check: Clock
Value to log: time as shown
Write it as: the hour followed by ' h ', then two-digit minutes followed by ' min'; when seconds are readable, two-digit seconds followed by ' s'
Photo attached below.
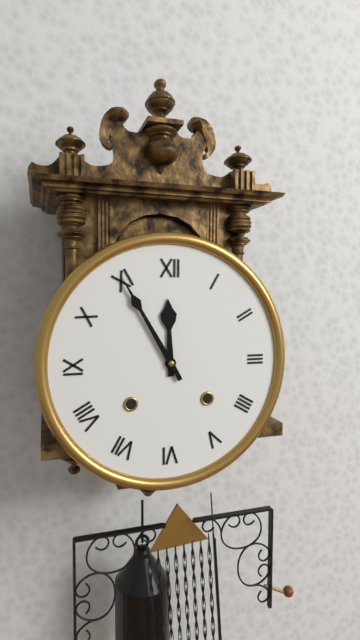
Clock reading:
11 h 55 min
